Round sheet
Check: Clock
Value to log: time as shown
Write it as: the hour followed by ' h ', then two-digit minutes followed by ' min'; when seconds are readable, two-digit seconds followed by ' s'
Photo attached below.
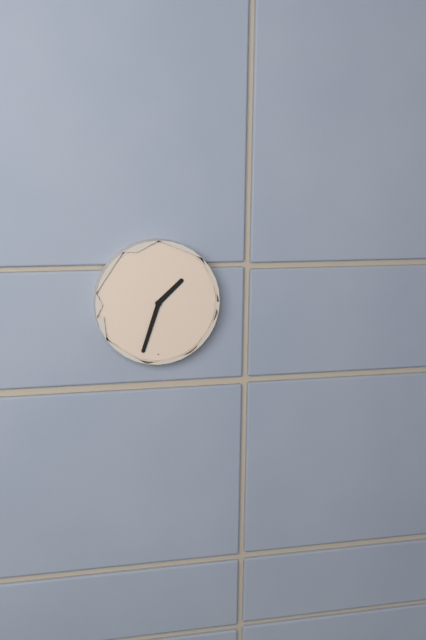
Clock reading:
1 h 33 min
